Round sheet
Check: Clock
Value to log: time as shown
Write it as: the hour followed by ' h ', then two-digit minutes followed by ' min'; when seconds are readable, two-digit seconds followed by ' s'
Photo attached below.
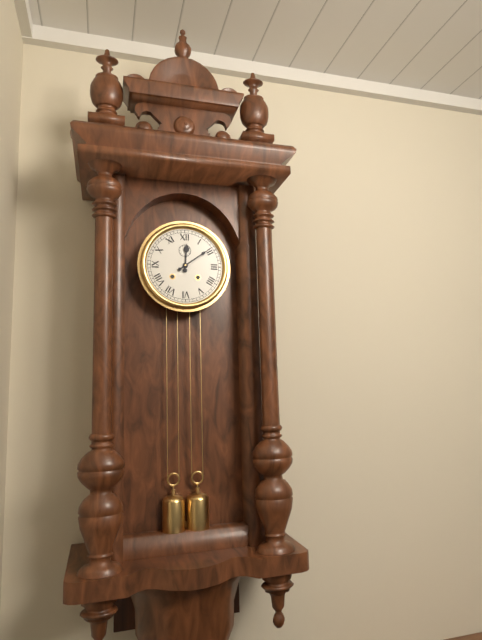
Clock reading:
12 h 09 min
